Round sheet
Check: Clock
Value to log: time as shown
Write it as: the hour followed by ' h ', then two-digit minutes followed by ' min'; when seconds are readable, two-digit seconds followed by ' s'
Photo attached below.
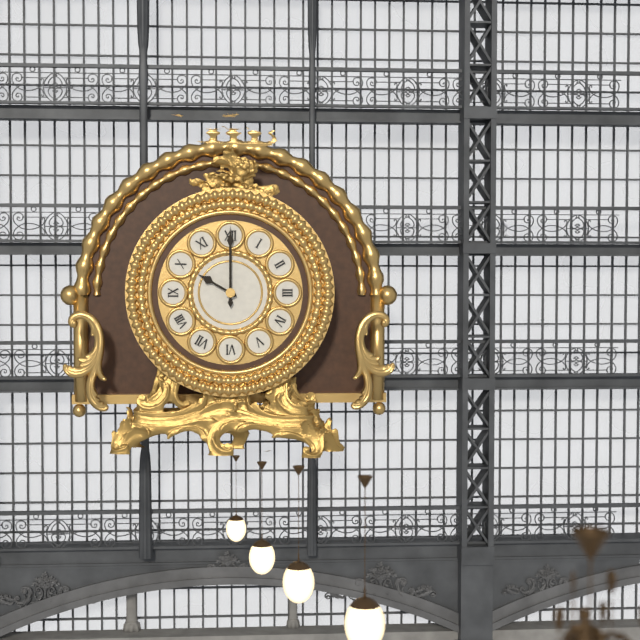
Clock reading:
10 h 00 min
